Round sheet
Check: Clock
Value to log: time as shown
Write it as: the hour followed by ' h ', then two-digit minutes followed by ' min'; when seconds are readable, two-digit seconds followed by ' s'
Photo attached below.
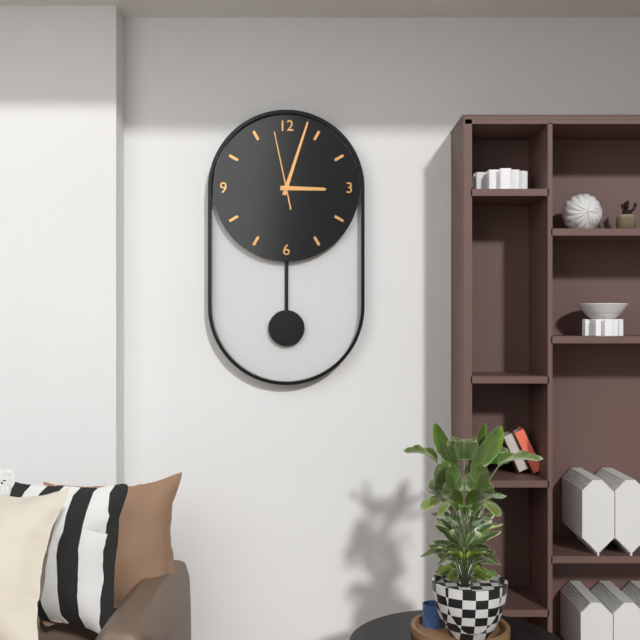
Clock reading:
3 h 03 min 58 s
